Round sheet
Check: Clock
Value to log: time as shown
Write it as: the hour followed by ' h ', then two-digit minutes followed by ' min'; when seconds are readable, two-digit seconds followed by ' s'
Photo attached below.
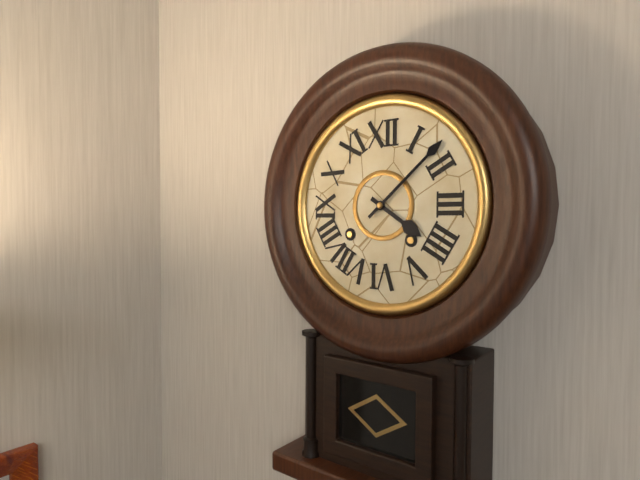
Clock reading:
4 h 08 min
